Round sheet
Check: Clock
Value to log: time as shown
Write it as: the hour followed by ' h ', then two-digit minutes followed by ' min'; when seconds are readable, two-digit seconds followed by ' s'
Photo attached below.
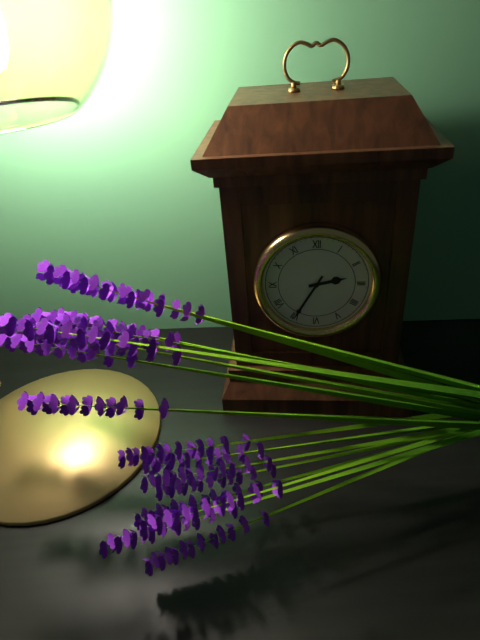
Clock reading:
2 h 35 min
